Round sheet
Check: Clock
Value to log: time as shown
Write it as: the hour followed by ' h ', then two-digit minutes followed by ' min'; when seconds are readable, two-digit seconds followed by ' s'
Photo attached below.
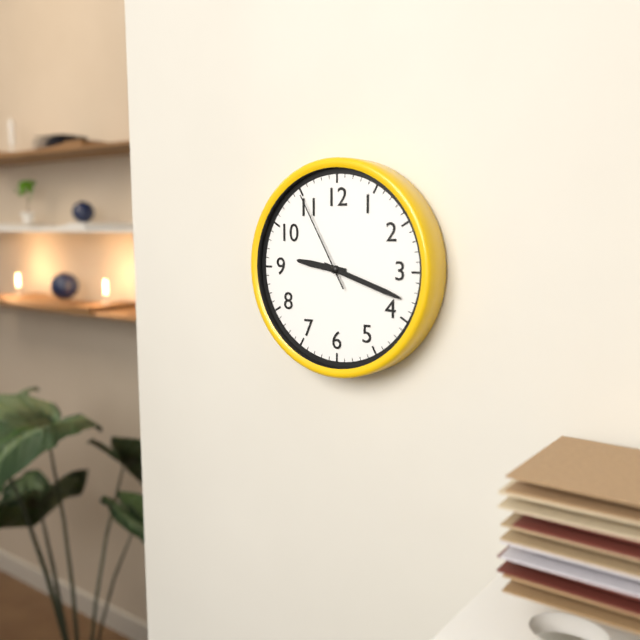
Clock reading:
9 h 18 min 55 s
